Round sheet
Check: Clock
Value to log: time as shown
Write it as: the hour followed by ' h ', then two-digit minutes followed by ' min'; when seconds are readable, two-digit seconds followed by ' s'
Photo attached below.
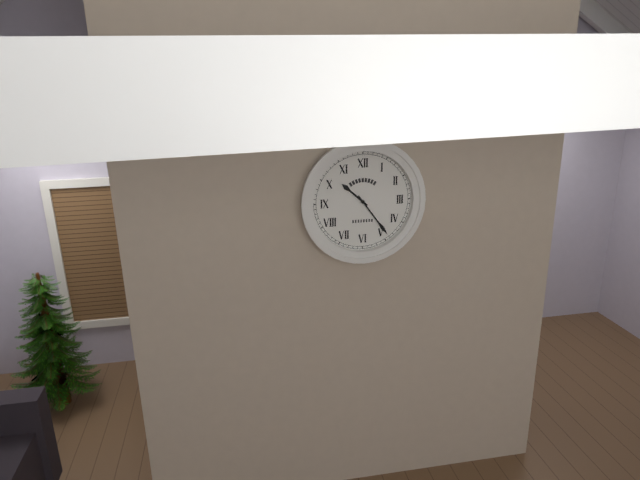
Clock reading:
10 h 24 min
